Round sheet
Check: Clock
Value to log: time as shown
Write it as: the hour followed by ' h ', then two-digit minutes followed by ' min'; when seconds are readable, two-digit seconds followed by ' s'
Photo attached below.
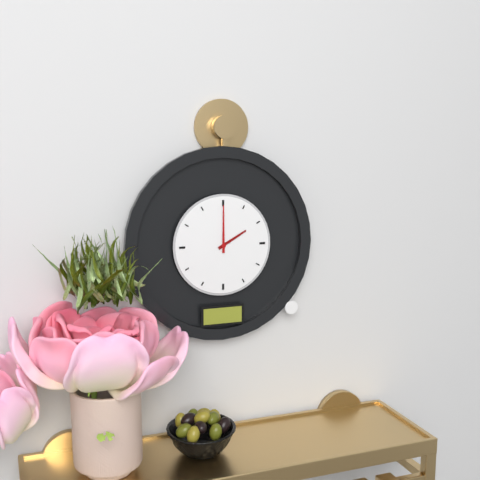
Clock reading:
2 h 00 min
